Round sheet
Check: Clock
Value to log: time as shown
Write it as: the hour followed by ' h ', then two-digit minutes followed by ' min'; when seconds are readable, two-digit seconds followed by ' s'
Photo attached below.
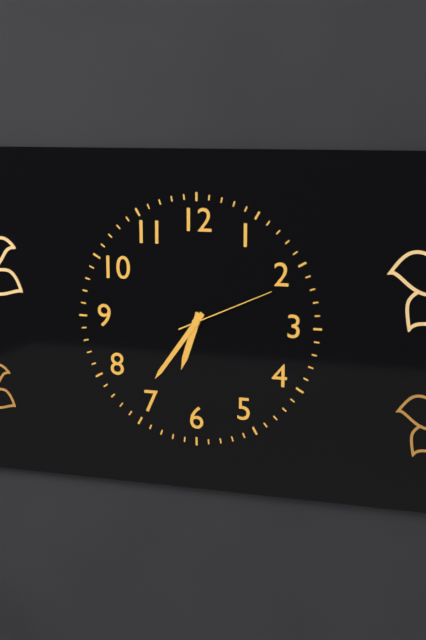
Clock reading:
6 h 36 min 11 s
